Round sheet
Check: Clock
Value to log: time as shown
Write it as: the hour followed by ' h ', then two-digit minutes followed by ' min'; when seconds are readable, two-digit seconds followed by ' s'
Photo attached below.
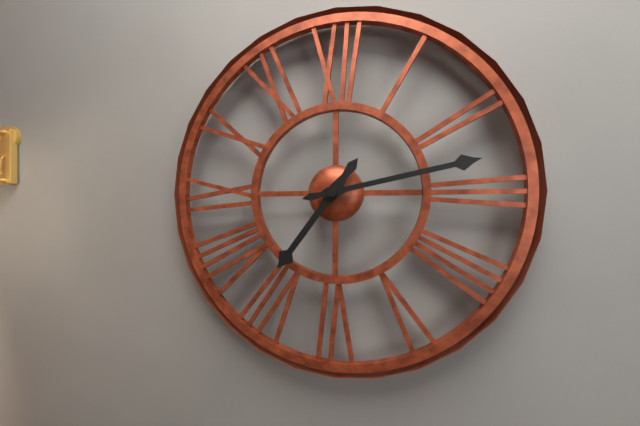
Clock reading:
7 h 13 min
